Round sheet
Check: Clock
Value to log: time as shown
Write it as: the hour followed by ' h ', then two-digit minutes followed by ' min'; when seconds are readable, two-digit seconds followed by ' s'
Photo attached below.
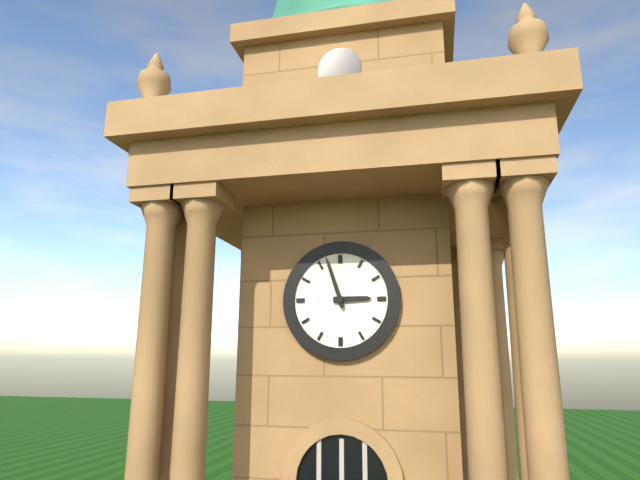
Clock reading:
2 h 57 min
